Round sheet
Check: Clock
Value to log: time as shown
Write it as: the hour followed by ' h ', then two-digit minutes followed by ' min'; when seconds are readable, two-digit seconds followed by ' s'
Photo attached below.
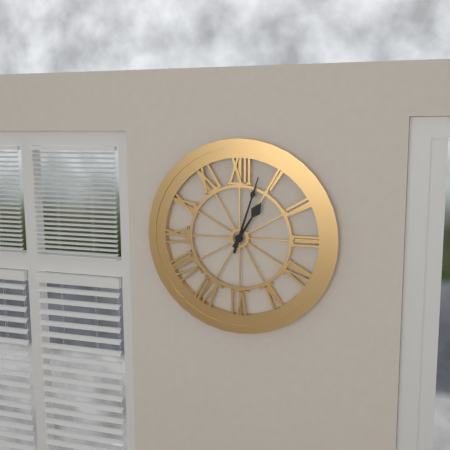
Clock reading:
1 h 03 min
